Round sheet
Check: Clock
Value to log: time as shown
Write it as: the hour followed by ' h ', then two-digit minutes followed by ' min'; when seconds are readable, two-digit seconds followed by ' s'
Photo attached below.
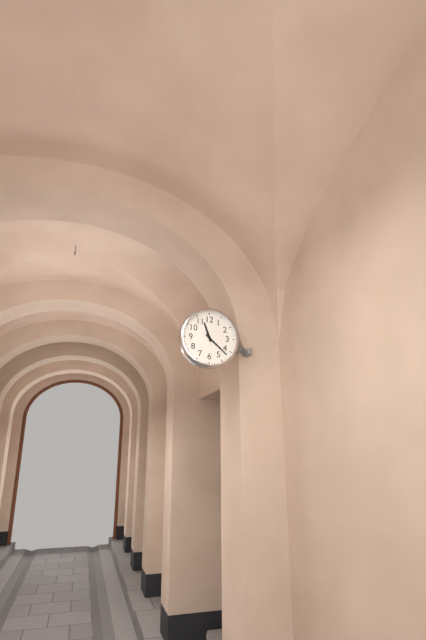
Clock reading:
11 h 22 min
